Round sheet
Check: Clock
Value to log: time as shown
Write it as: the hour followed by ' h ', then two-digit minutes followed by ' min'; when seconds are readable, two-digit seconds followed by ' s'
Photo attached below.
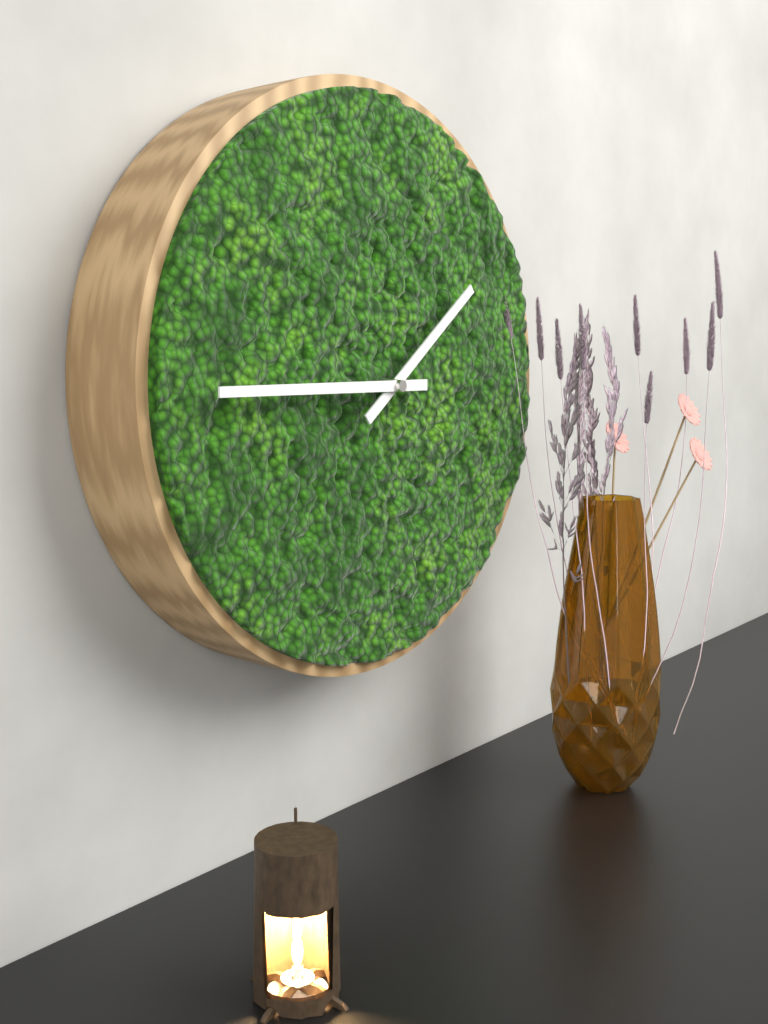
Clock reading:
1 h 45 min
